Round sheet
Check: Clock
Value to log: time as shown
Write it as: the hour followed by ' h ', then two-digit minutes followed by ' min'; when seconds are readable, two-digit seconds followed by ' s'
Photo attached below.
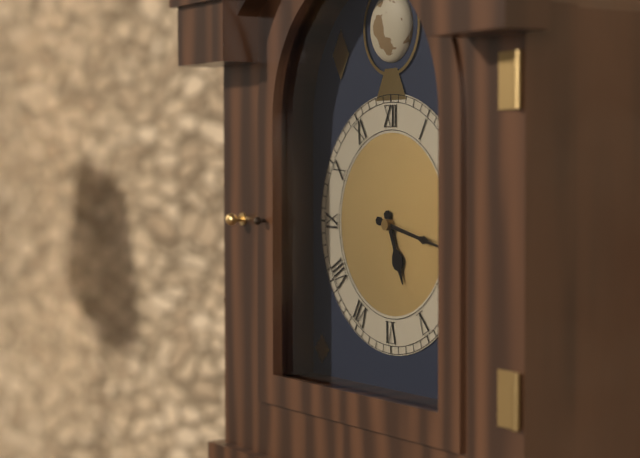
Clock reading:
5 h 17 min
